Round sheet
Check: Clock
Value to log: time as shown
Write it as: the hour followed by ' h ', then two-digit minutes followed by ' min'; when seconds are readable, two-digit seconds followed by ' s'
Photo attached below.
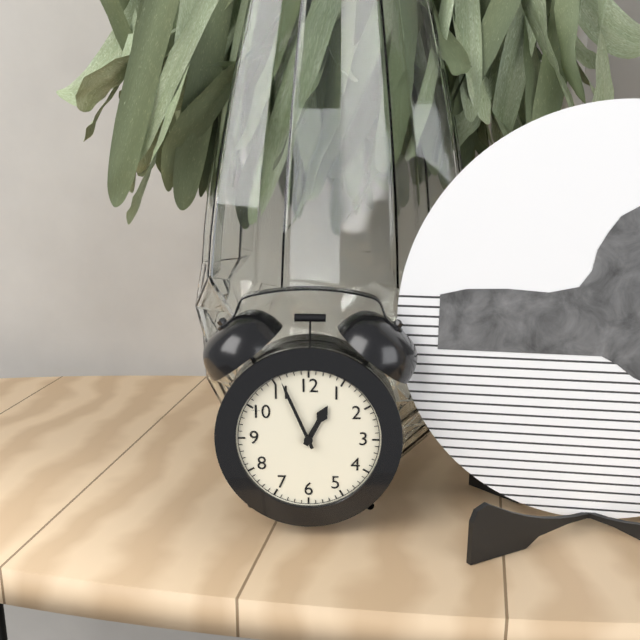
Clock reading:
12 h 56 min
